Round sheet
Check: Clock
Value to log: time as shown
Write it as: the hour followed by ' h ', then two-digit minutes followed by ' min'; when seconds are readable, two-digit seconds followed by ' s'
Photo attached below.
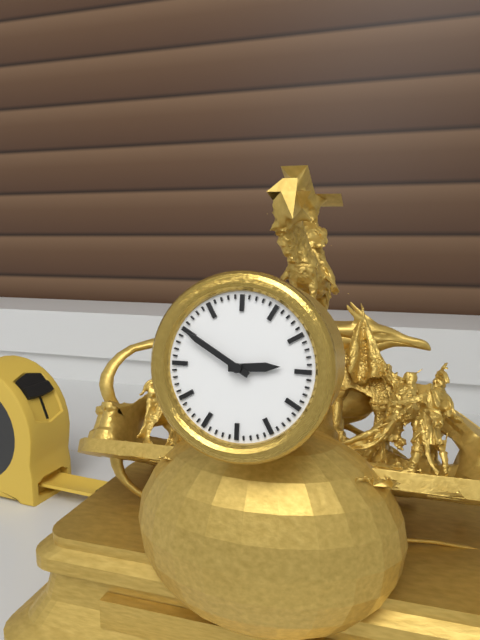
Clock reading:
2 h 50 min
